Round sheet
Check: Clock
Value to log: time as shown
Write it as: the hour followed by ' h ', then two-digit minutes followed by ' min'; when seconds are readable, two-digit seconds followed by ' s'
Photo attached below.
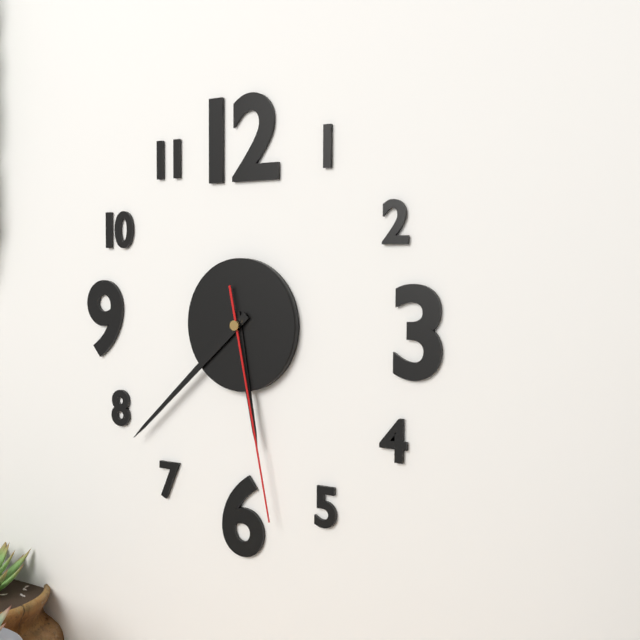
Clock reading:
5 h 38 min 28 s
